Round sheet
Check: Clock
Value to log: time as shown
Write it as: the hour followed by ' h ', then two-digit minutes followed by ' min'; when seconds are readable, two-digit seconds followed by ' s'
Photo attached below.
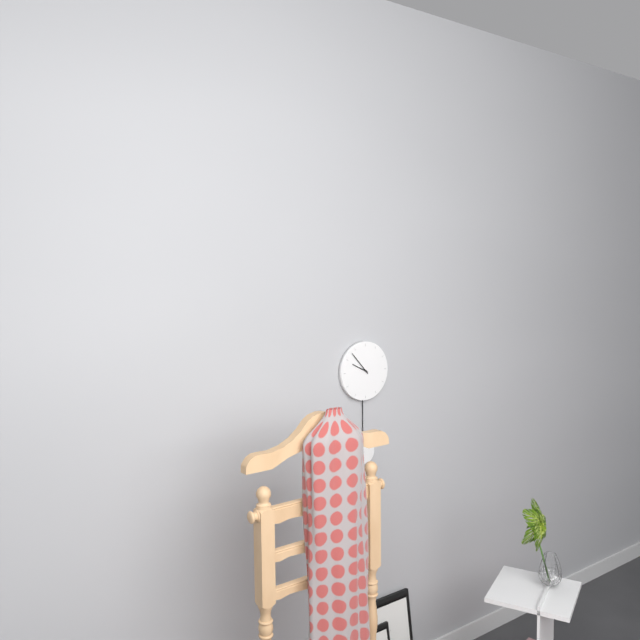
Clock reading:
9 h 53 min
